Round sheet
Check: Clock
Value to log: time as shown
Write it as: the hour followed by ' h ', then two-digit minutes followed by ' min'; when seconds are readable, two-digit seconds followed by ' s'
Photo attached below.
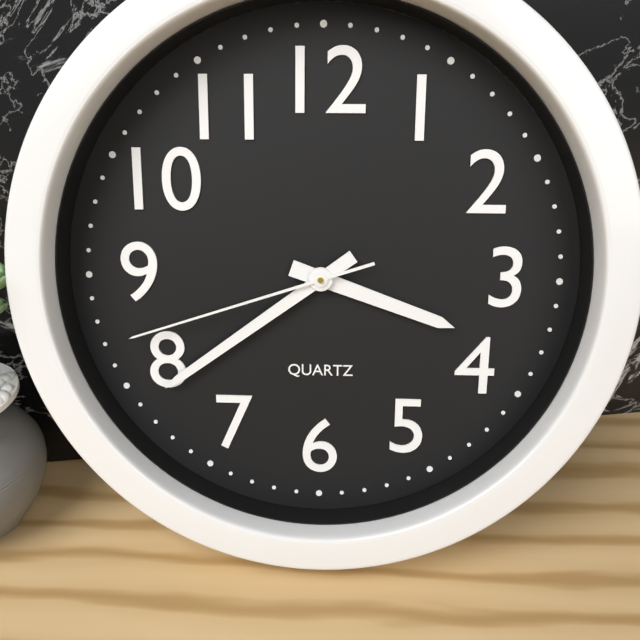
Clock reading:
3 h 39 min 42 s
